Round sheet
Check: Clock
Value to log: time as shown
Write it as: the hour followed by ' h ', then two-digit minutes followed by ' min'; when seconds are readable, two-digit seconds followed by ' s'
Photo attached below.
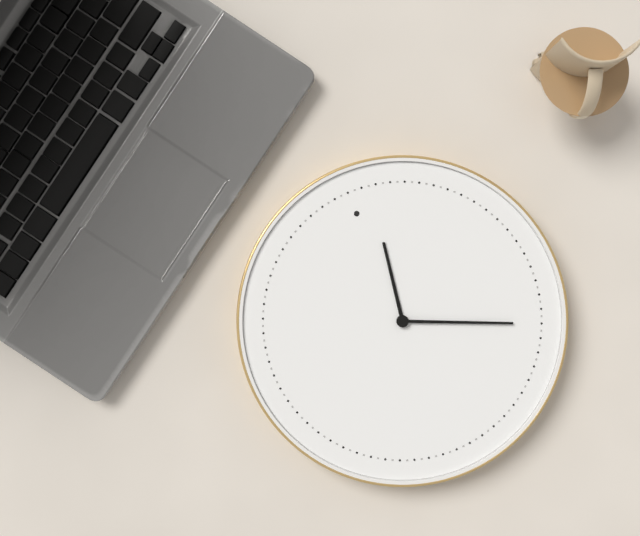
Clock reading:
12 h 19 min
